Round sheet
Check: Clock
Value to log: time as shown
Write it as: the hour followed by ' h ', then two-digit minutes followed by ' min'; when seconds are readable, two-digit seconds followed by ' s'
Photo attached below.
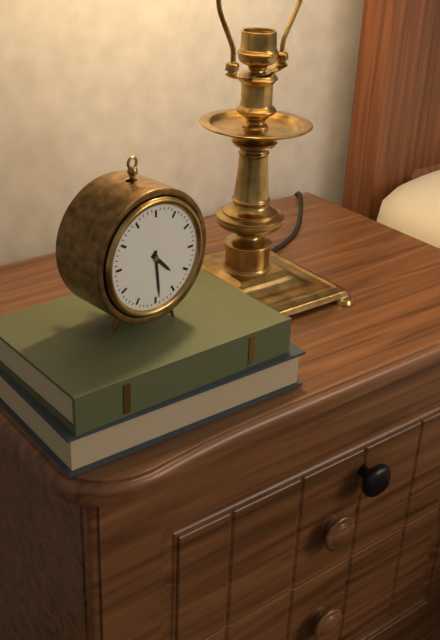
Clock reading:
4 h 29 min
